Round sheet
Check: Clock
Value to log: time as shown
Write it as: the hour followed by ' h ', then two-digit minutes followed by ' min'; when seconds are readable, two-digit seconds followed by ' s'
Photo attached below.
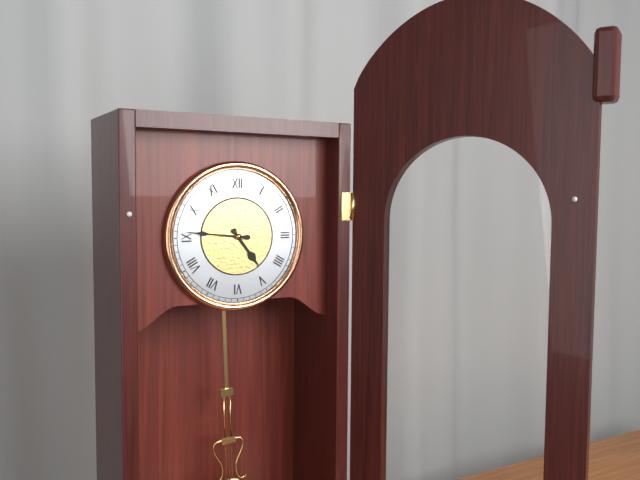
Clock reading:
4 h 46 min
